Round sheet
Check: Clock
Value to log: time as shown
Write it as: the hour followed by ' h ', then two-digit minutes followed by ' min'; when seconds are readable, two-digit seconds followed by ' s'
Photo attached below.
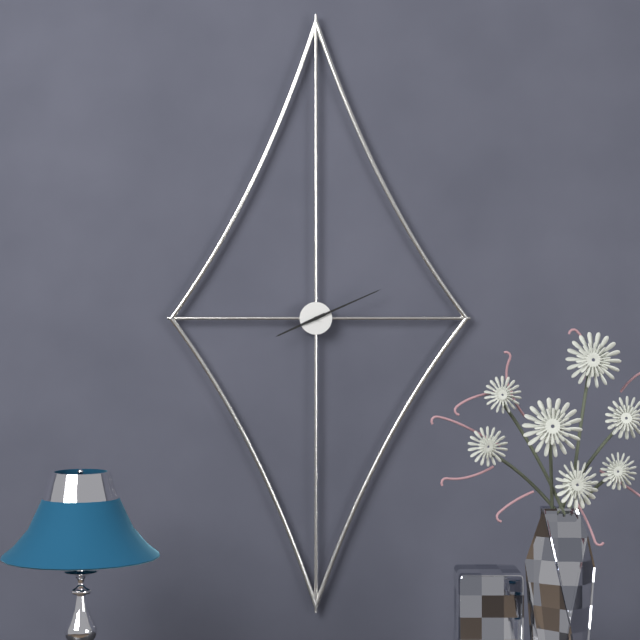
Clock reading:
8 h 11 min
